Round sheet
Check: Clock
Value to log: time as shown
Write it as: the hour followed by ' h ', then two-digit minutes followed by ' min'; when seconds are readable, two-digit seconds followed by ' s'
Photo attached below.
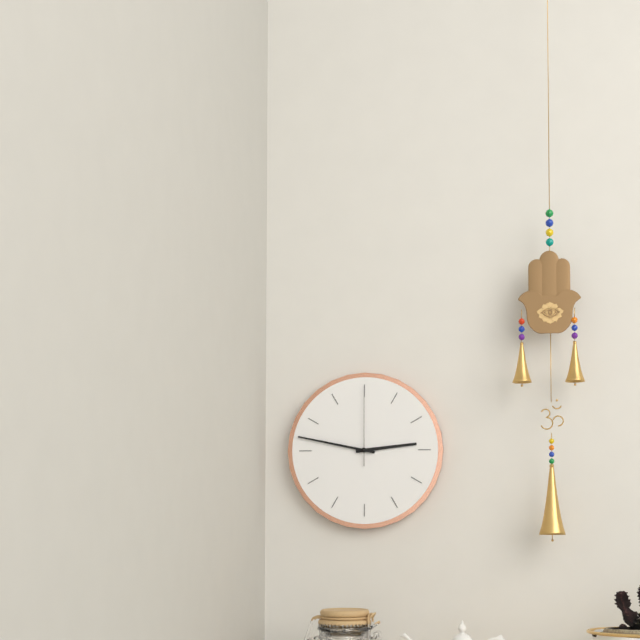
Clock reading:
2 h 47 min 00 s
